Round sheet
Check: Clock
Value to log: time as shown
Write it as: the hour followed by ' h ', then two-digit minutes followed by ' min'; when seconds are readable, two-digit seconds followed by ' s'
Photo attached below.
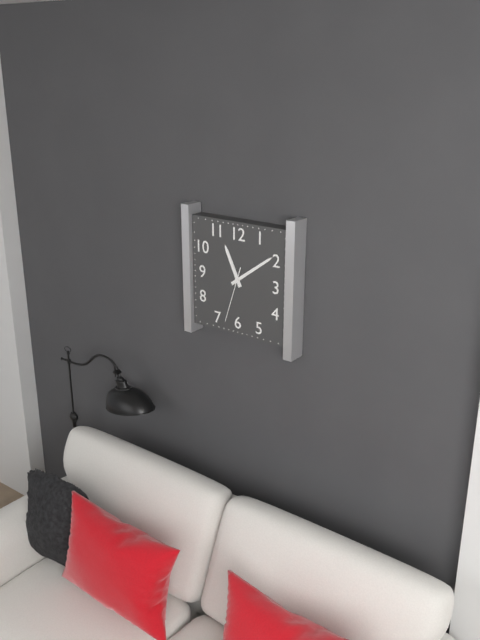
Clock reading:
11 h 09 min 33 s
